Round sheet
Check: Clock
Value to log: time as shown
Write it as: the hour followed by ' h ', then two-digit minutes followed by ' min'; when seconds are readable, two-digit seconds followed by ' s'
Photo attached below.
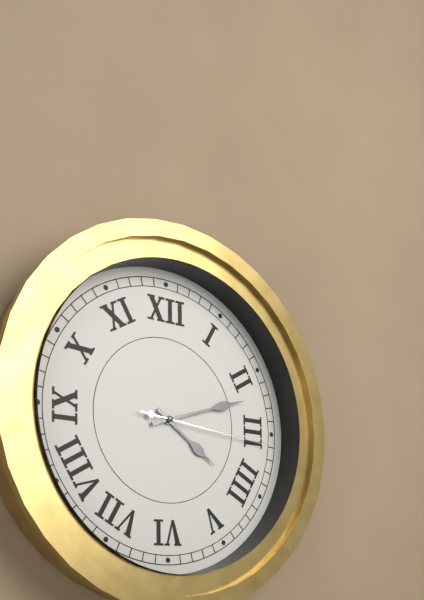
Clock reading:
4 h 12 min 16 s
